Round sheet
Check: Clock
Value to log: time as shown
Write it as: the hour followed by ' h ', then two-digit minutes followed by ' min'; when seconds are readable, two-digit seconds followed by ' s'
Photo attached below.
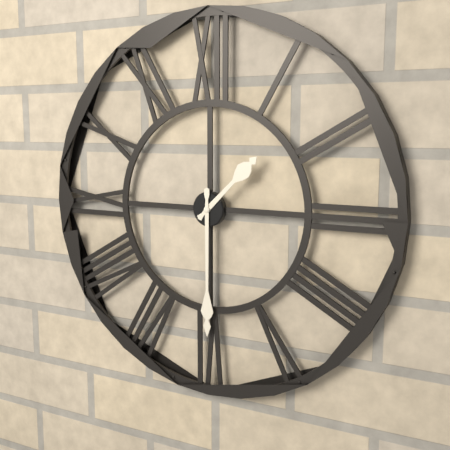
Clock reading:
1 h 30 min
